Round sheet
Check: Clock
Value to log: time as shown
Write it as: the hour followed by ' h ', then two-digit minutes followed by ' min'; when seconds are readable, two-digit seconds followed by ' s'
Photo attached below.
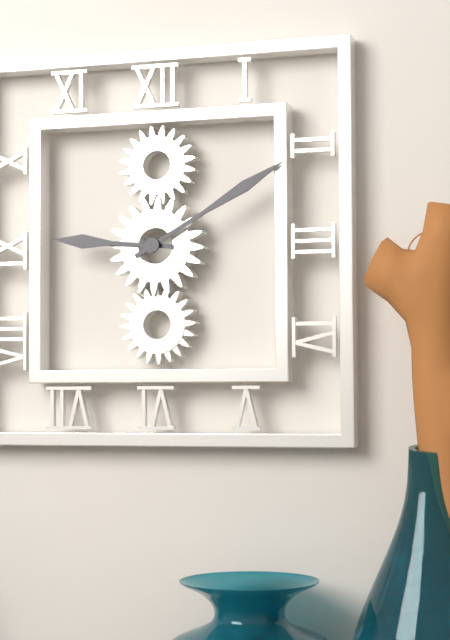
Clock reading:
9 h 10 min
